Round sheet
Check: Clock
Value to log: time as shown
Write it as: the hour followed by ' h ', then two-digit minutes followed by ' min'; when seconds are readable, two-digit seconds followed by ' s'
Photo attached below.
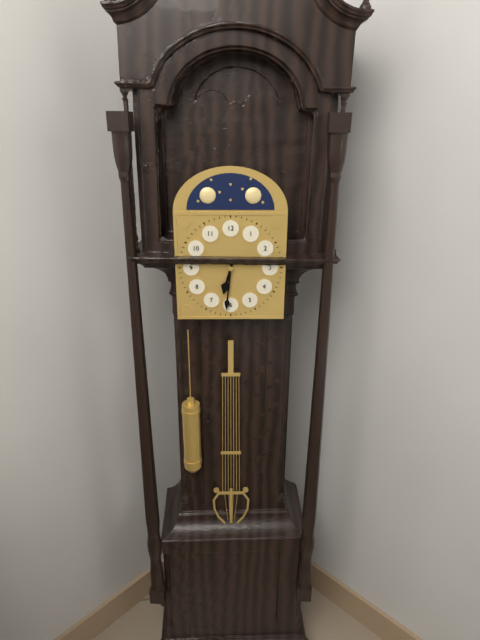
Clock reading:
6 h 31 min
